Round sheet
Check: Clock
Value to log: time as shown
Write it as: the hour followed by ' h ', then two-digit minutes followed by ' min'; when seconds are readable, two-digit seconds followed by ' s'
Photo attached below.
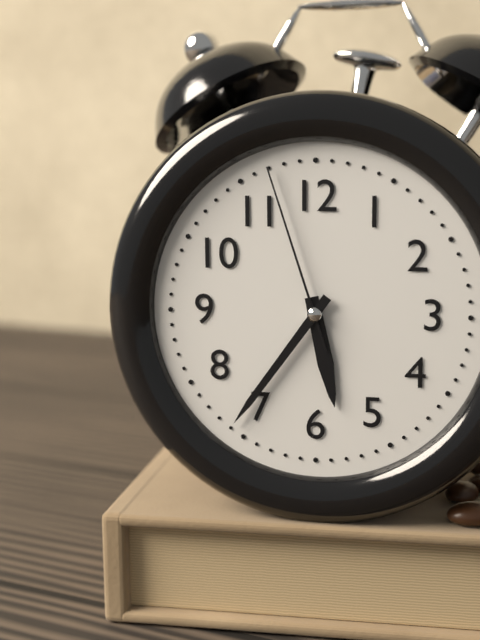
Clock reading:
5 h 36 min 57 s
